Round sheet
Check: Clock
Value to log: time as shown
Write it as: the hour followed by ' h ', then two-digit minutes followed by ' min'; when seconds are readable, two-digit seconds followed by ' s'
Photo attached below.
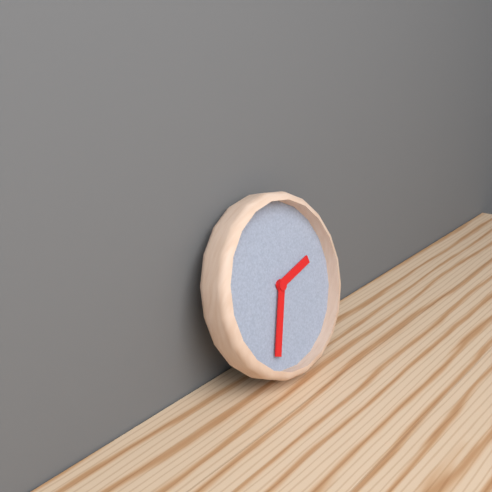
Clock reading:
2 h 34 min
